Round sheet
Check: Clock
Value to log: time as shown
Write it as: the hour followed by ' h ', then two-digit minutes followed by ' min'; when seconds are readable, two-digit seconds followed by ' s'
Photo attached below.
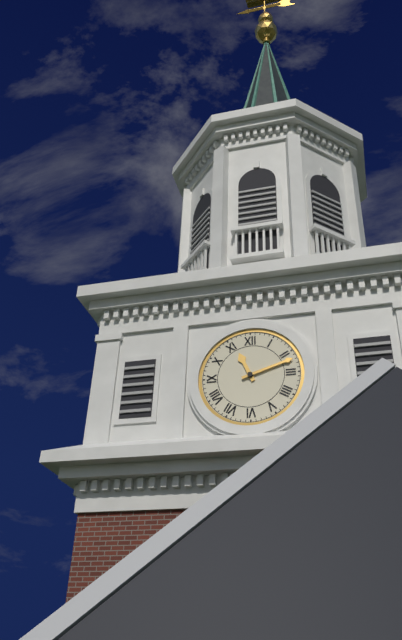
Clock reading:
11 h 12 min
